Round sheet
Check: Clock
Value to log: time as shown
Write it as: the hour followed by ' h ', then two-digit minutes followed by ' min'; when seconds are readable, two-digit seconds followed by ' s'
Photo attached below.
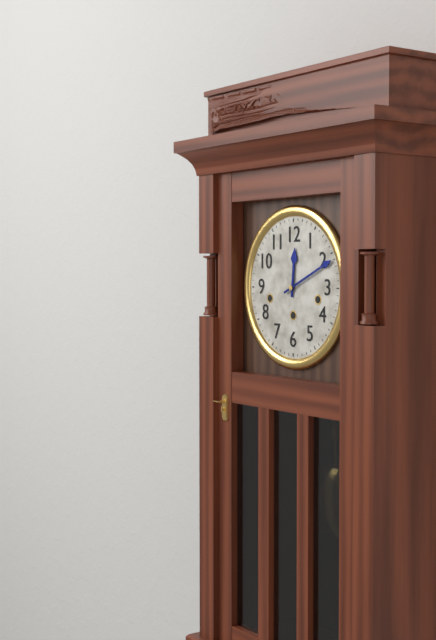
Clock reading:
12 h 11 min
